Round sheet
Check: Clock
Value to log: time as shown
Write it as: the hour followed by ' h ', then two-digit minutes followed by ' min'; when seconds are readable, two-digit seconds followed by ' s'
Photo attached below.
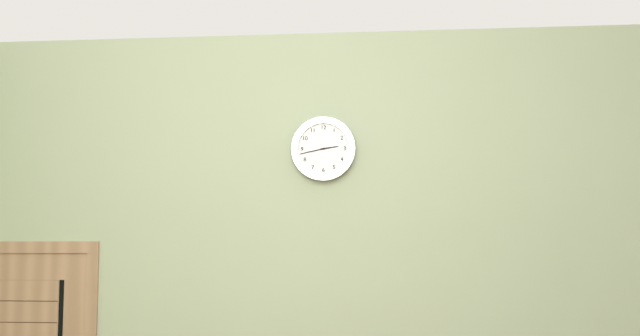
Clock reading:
2 h 43 min
